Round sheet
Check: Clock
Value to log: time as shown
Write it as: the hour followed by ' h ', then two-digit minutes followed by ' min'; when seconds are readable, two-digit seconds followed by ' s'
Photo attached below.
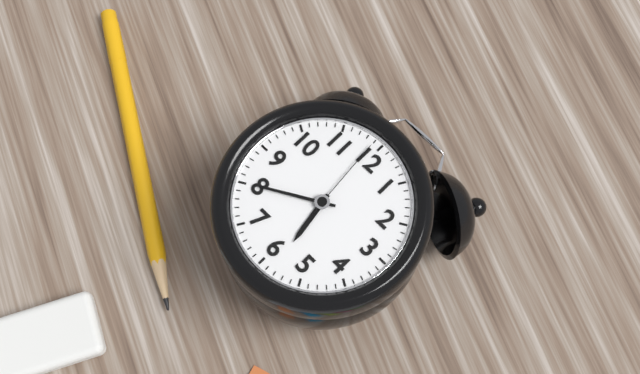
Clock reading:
5 h 40 min 59 s
